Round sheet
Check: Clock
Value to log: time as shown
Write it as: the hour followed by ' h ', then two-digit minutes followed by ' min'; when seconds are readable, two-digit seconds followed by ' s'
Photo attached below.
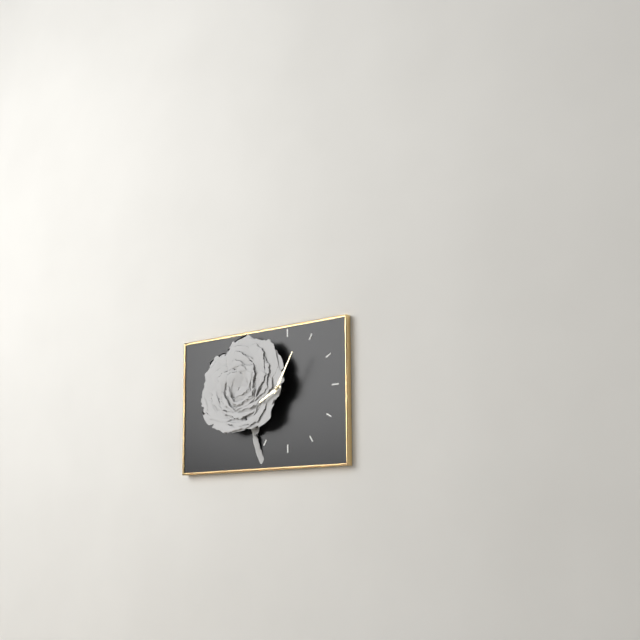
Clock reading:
8 h 05 min
